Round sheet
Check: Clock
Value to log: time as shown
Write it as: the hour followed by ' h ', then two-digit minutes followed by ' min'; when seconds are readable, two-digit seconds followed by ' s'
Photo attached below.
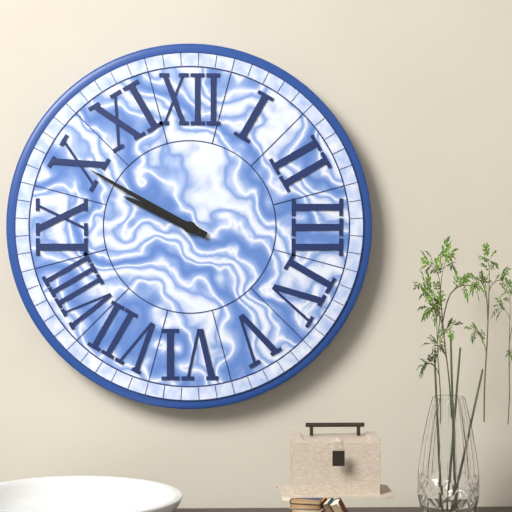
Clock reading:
9 h 50 min
